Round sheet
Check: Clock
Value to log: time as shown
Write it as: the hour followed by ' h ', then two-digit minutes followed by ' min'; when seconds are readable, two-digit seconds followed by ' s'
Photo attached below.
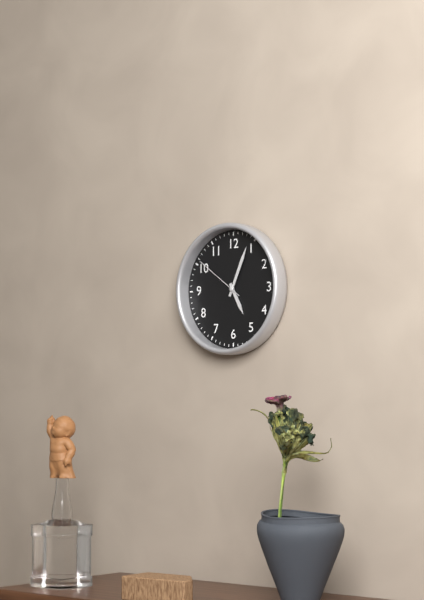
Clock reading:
5 h 04 min 51 s
